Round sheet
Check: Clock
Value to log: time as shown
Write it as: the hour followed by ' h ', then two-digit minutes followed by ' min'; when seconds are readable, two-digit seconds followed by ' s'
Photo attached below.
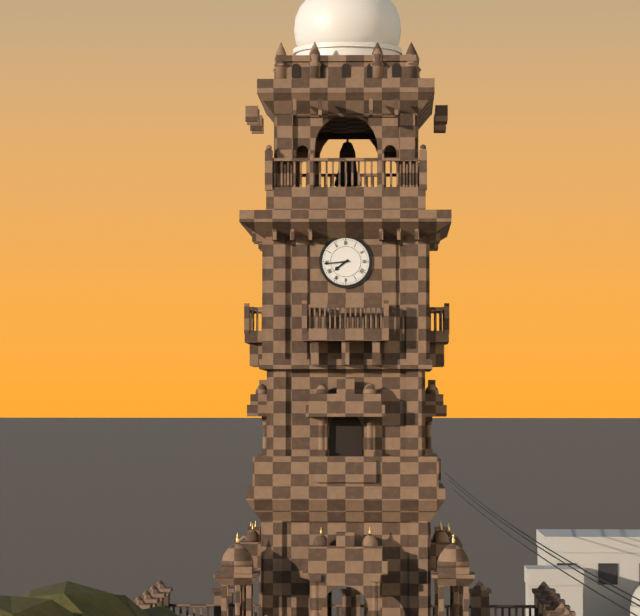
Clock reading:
7 h 44 min
